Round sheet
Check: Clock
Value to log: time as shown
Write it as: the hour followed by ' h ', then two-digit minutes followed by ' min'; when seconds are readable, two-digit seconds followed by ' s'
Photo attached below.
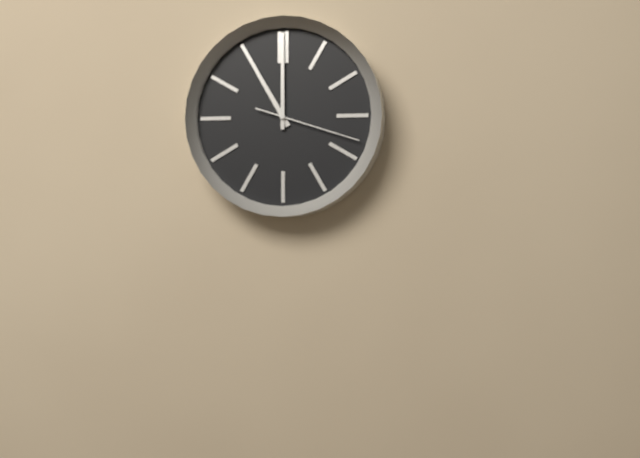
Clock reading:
11 h 00 min 18 s
